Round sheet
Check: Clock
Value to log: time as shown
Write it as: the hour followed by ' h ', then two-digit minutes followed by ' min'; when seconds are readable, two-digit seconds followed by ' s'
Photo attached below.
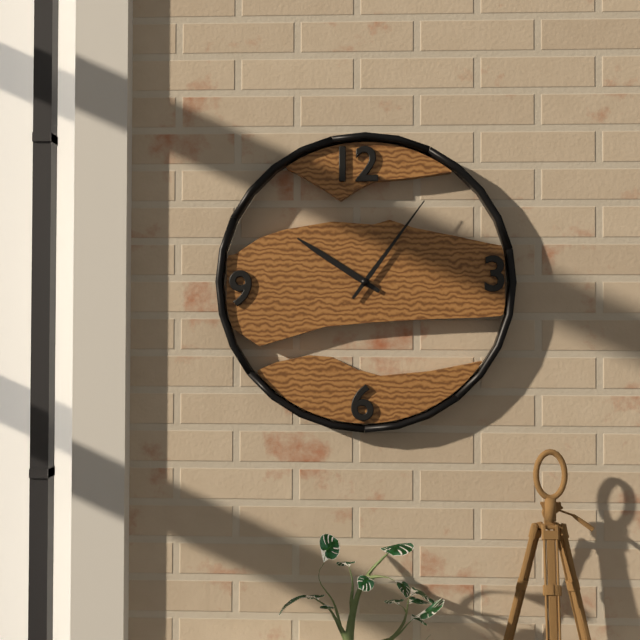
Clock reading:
10 h 06 min
